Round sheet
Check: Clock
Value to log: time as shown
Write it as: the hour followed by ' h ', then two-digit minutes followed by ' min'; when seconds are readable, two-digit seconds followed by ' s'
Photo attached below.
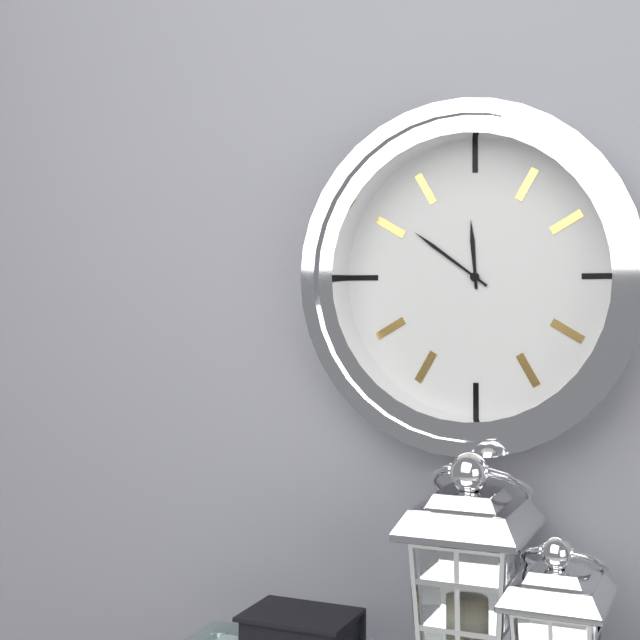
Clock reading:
11 h 51 min
